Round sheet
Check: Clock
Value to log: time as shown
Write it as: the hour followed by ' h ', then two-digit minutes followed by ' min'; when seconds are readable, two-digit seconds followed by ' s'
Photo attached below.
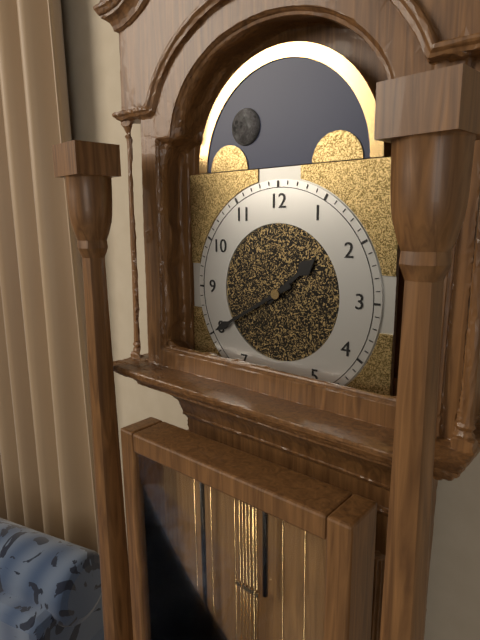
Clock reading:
1 h 40 min
